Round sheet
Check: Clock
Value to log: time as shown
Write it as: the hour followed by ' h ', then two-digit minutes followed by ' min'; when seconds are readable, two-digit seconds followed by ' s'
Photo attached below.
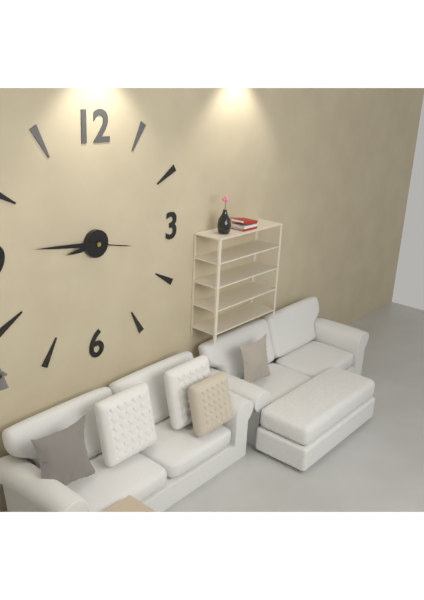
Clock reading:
8 h 46 min
